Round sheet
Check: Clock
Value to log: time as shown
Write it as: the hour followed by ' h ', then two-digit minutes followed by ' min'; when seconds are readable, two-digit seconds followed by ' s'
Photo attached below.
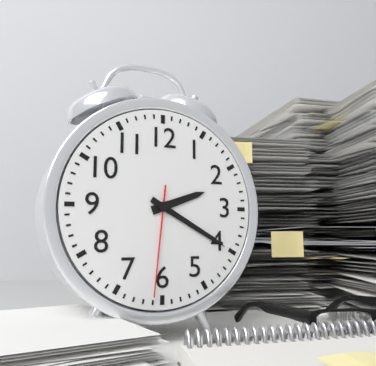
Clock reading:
2 h 20 min 31 s
